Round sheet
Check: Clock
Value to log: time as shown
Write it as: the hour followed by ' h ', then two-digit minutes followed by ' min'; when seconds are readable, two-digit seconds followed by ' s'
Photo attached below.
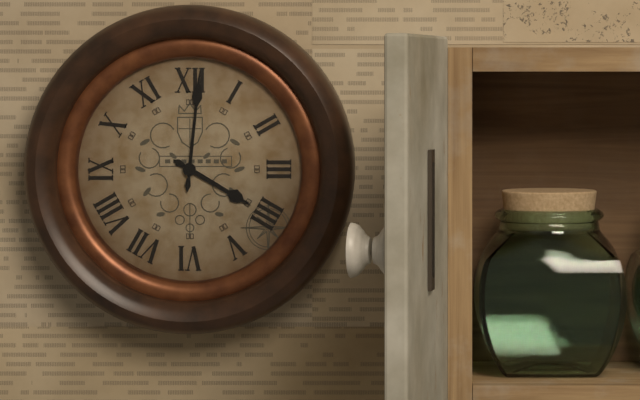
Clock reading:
4 h 01 min
